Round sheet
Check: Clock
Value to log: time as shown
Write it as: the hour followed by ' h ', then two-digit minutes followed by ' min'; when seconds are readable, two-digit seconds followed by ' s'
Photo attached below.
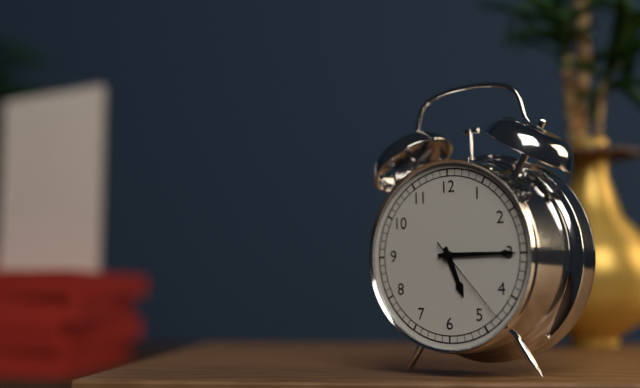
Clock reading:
5 h 15 min 23 s
